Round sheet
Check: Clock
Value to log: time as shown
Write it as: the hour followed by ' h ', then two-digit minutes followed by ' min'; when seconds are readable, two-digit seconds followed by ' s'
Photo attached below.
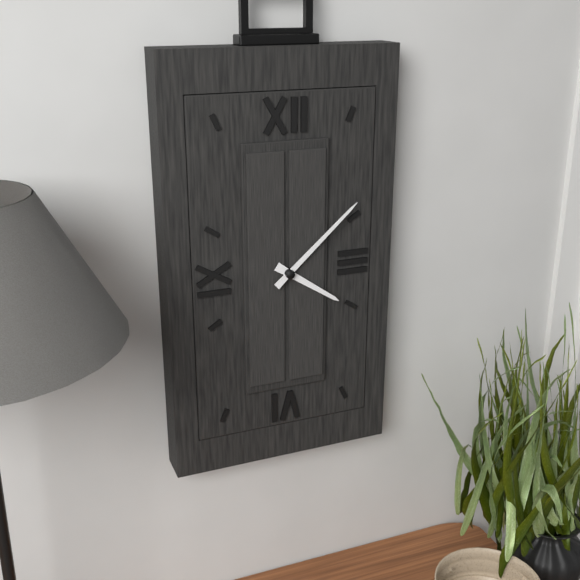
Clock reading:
4 h 08 min
